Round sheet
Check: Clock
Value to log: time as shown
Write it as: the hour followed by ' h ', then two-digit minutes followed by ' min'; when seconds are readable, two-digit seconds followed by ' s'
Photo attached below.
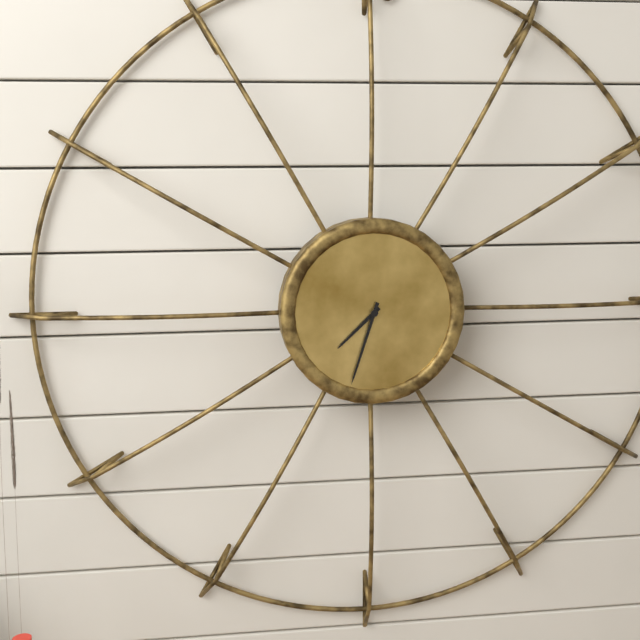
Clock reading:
7 h 33 min
